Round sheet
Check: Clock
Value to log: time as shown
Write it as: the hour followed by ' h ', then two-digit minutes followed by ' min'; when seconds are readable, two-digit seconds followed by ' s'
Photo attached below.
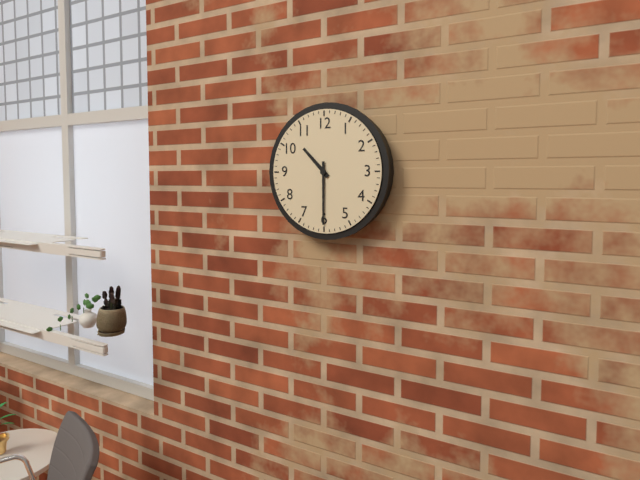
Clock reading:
10 h 30 min
